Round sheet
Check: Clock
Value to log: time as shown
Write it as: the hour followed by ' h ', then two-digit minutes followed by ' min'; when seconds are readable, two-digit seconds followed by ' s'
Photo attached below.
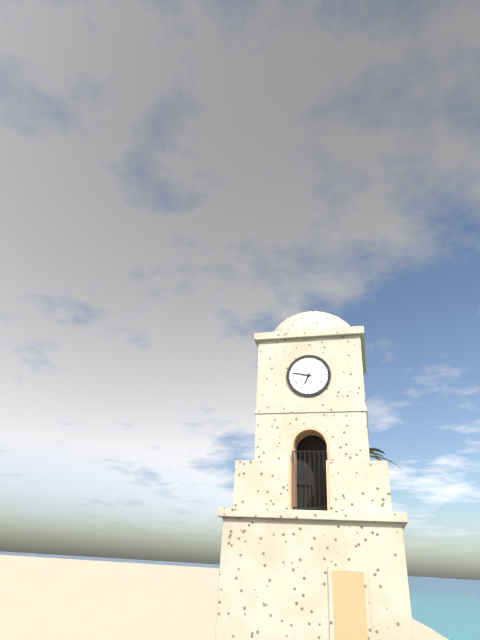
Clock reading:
6 h 47 min
